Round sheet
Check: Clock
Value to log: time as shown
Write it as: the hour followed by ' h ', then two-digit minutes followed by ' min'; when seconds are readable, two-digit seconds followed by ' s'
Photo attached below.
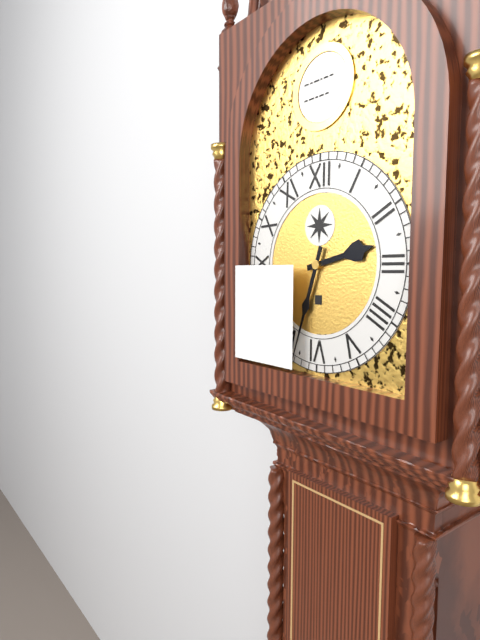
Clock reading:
2 h 33 min
